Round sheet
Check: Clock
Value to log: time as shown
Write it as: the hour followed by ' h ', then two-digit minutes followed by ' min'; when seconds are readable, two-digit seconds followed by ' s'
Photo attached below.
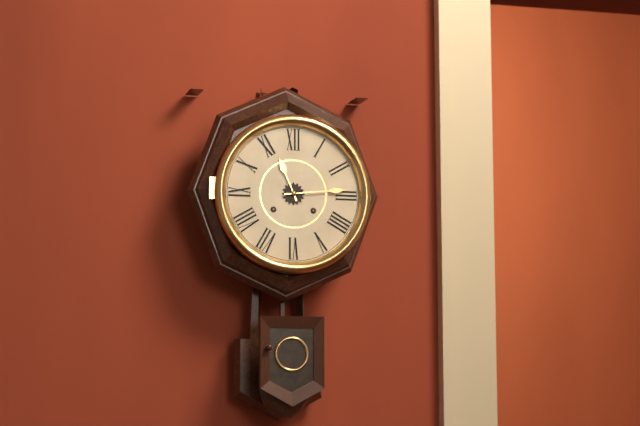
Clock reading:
11 h 14 min
